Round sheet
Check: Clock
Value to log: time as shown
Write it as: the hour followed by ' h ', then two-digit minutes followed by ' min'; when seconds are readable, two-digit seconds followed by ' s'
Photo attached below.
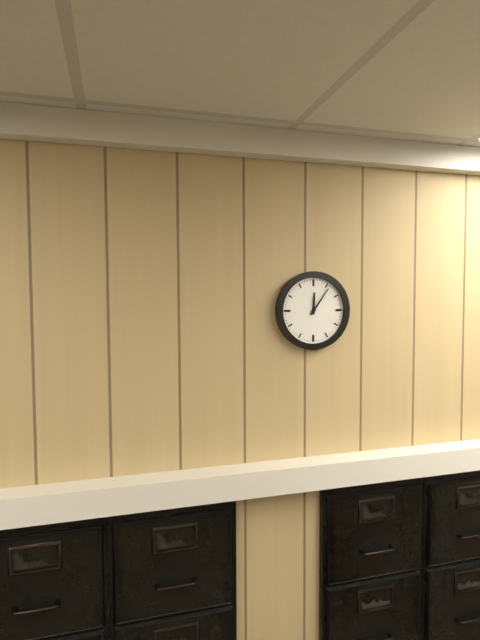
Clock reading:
12 h 06 min
